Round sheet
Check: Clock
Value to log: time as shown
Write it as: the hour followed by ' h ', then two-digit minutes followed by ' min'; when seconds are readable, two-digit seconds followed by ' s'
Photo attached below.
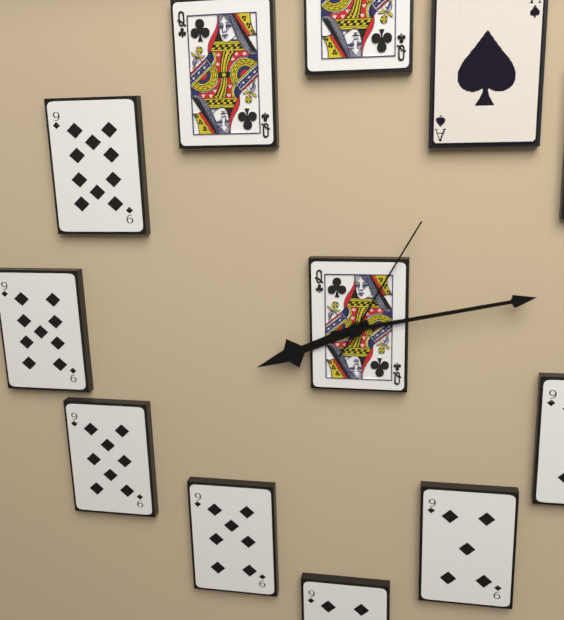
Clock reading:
8 h 13 min 05 s
